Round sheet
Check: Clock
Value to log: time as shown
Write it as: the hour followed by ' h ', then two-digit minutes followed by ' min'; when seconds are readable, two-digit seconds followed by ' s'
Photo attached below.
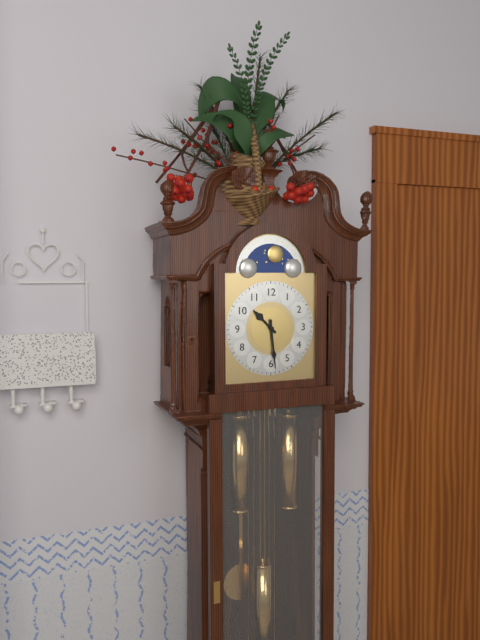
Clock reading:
10 h 29 min
